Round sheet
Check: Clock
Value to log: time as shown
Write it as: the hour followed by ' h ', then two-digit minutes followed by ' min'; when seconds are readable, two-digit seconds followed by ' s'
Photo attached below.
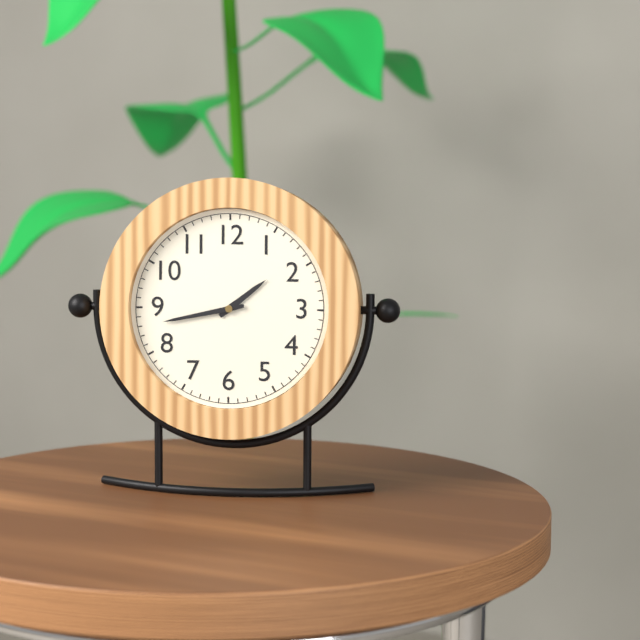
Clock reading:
1 h 43 min
